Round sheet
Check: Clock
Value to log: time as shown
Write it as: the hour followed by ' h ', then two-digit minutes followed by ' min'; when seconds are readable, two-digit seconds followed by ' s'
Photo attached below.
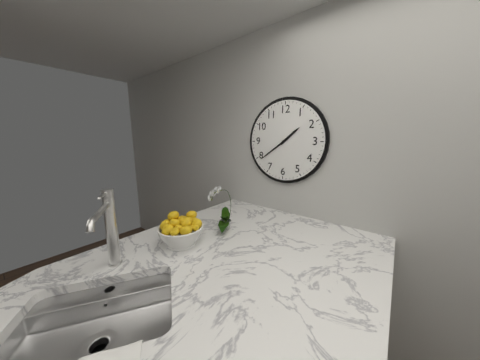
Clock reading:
1 h 39 min
